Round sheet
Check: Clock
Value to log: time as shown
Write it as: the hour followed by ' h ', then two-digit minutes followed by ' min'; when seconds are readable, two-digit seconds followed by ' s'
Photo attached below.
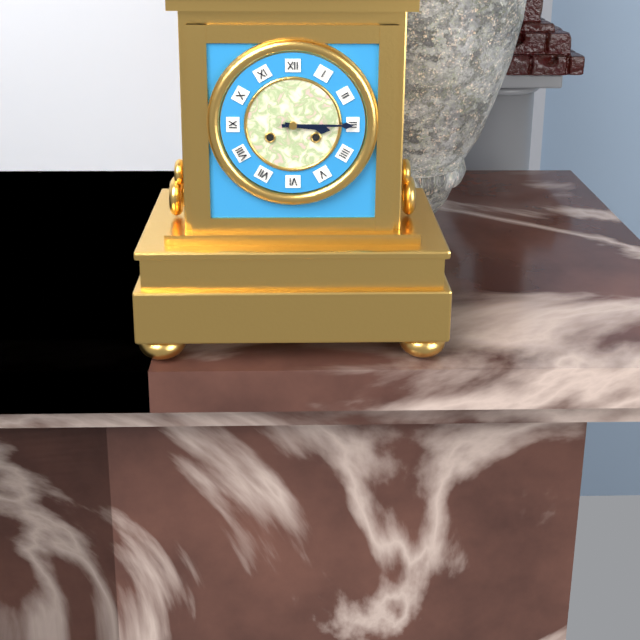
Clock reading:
3 h 15 min
